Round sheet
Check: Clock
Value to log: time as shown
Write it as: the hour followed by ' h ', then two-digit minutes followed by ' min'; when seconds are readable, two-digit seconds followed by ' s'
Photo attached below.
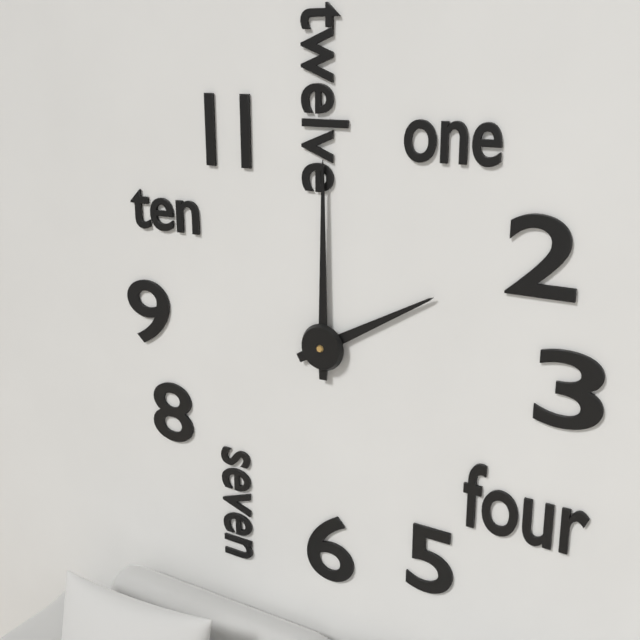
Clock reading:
2 h 00 min
